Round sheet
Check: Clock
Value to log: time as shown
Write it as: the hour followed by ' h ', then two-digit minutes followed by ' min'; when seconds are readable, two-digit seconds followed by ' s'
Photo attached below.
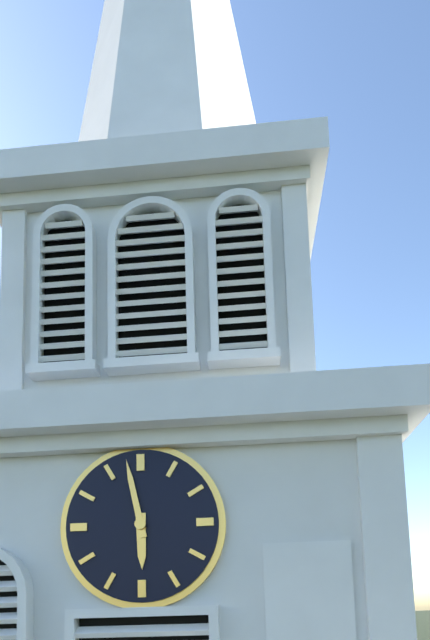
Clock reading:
5 h 58 min
